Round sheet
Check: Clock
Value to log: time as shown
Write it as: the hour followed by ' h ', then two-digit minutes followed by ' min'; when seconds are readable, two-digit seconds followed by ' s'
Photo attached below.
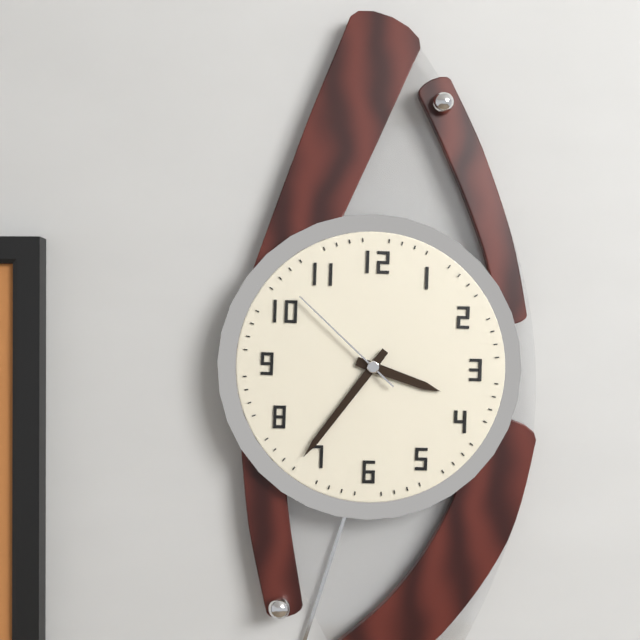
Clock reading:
3 h 36 min 52 s
